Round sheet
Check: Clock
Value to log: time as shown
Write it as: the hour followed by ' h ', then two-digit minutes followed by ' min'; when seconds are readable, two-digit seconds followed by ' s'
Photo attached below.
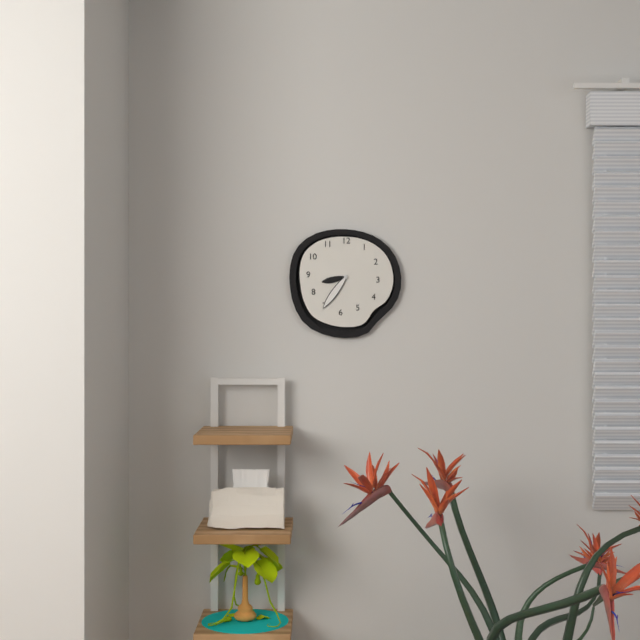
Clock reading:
8 h 36 min
